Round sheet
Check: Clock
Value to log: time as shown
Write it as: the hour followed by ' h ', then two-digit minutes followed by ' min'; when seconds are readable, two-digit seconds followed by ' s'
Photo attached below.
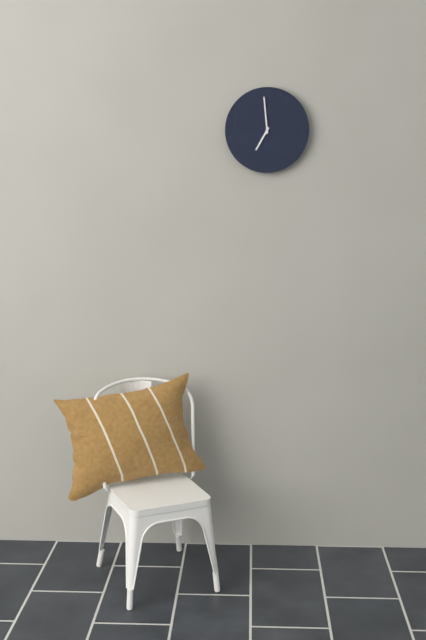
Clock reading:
6 h 59 min
